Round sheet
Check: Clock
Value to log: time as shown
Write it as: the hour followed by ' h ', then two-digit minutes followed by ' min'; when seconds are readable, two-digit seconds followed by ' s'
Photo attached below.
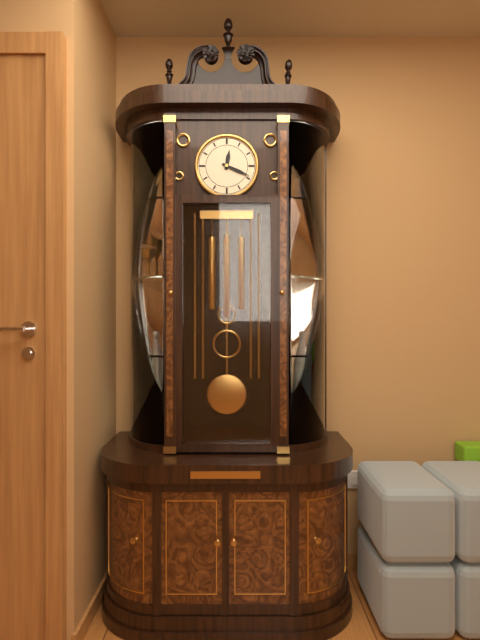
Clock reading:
12 h 19 min
